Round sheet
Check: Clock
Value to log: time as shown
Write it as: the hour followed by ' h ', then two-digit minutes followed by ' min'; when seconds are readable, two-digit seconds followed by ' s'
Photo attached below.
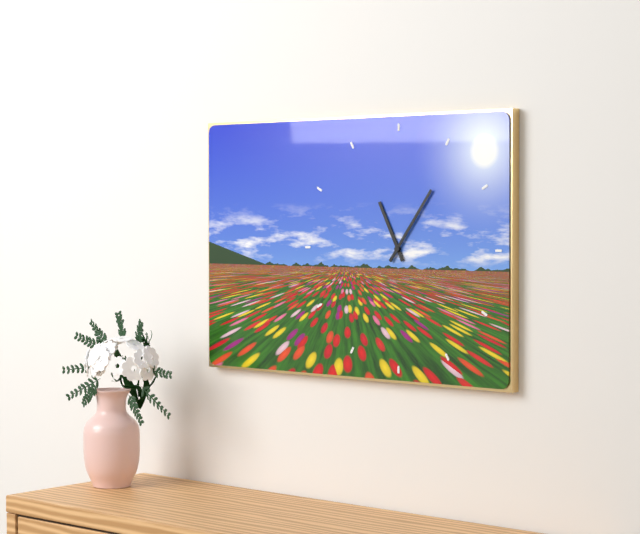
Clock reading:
11 h 06 min
